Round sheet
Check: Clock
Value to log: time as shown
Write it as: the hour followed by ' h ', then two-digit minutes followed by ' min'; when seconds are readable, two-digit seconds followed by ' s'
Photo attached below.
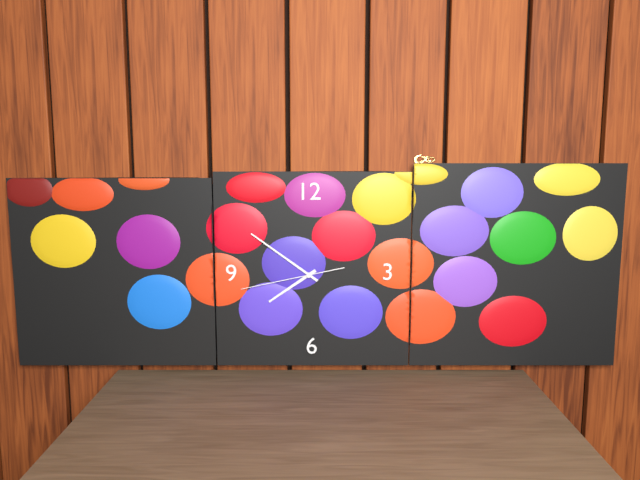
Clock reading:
7 h 51 min 43 s
